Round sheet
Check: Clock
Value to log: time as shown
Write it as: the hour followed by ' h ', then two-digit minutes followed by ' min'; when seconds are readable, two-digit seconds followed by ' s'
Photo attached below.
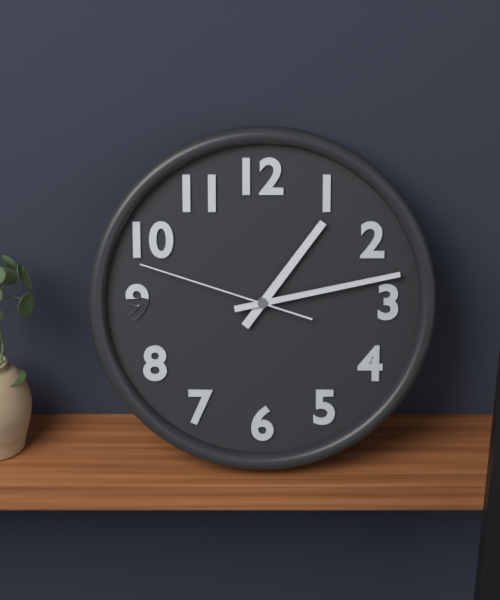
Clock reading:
1 h 13 min 48 s
